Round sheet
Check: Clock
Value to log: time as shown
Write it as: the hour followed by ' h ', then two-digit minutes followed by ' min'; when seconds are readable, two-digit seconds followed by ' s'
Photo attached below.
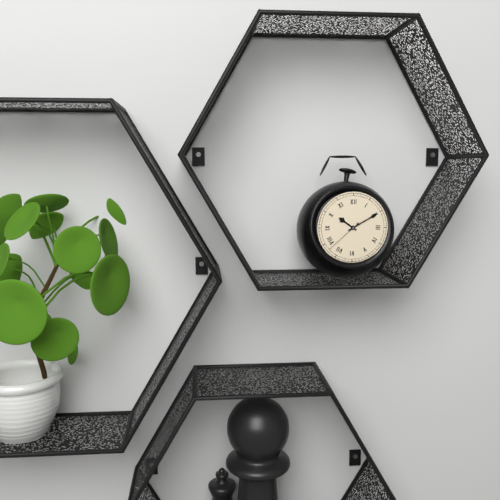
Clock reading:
10 h 10 min
